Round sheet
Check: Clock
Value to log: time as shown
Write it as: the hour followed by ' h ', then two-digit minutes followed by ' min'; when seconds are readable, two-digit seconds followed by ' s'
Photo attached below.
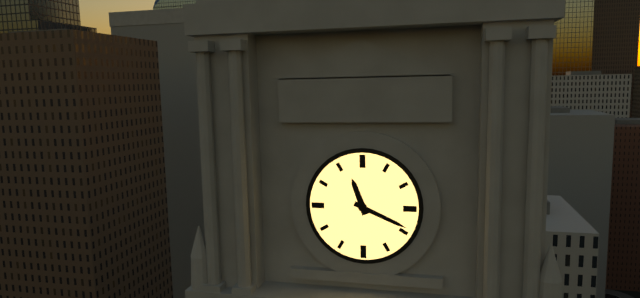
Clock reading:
11 h 19 min
